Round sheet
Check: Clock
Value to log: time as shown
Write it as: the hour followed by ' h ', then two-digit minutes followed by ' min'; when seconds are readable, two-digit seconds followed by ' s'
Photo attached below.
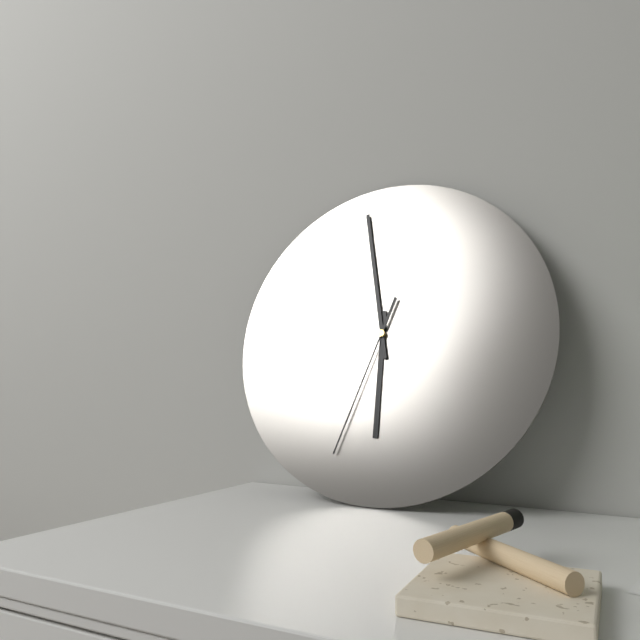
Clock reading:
5 h 58 min 33 s
